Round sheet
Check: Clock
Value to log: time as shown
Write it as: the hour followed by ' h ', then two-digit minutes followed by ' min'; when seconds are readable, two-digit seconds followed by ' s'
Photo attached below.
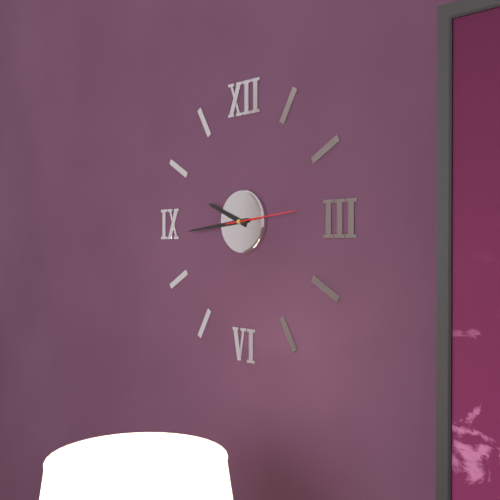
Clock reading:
9 h 44 min 14 s
